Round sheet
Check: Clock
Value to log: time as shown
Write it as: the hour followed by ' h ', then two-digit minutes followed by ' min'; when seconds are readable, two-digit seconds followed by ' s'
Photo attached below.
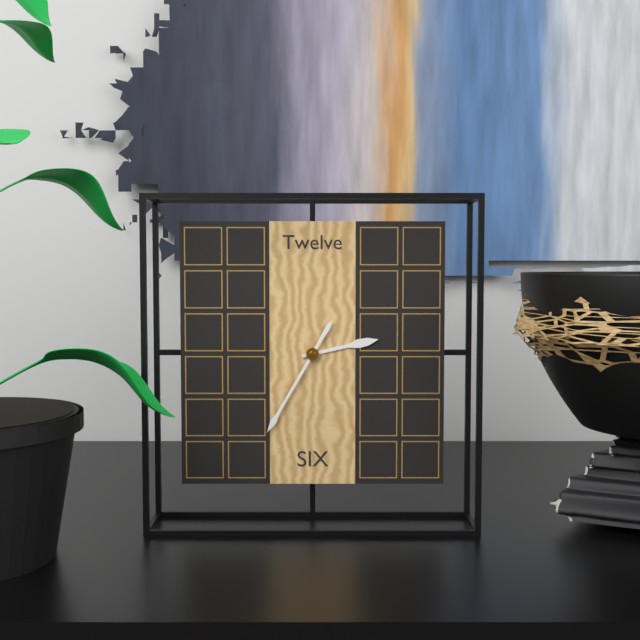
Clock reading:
2 h 35 min
